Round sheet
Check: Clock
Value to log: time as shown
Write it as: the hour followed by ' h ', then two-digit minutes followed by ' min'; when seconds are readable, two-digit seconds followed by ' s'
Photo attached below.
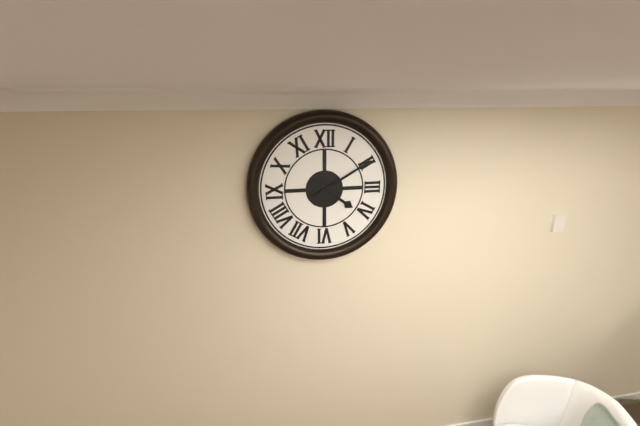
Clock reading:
4 h 10 min
